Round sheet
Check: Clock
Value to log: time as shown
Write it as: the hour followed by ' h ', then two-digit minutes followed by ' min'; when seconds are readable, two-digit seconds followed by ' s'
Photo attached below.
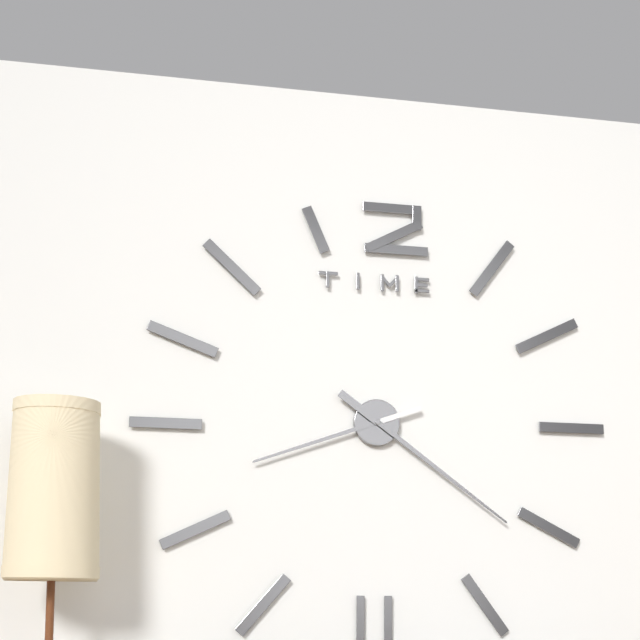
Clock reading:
8 h 21 min
